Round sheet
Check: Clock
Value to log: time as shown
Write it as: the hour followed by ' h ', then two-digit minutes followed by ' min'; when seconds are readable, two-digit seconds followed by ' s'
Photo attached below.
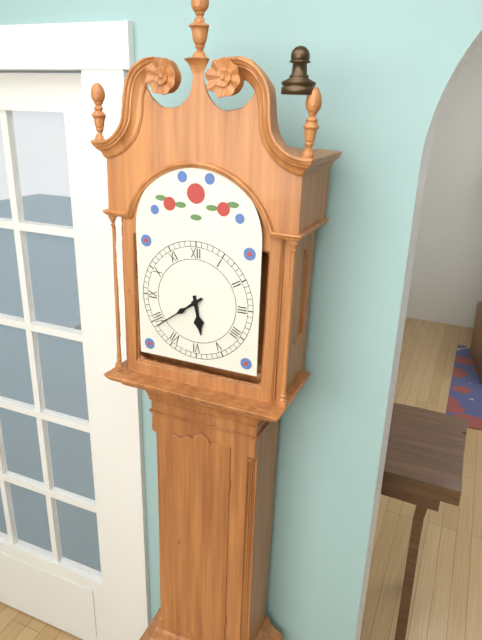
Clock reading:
5 h 39 min
